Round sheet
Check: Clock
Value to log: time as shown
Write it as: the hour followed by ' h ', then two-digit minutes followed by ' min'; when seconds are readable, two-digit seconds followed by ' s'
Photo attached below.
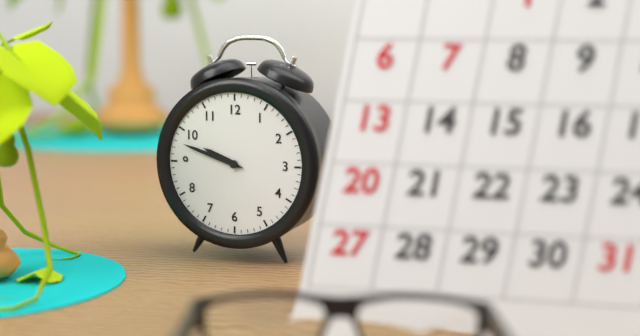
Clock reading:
9 h 48 min
